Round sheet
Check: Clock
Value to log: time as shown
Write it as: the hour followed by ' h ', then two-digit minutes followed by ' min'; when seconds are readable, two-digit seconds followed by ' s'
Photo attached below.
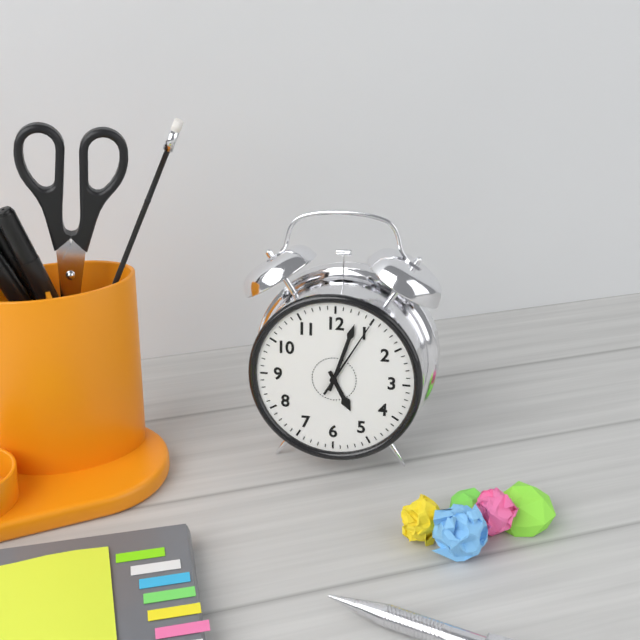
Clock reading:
5 h 03 min 05 s
